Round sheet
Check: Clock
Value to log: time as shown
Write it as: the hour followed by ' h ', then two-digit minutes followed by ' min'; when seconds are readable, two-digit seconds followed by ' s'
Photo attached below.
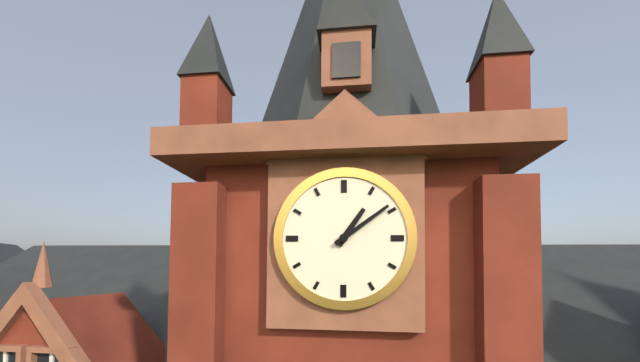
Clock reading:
1 h 09 min
